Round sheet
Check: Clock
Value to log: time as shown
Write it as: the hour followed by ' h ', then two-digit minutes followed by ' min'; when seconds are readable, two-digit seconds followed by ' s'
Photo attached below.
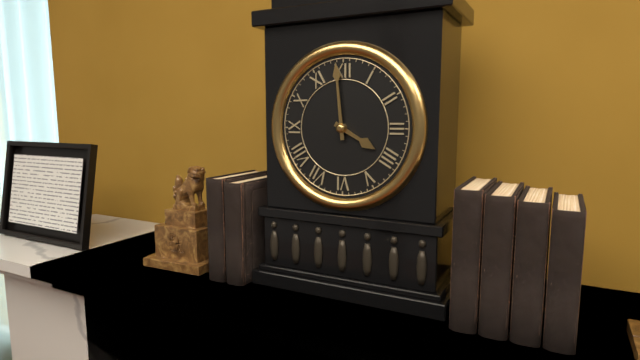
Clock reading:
3 h 59 min
